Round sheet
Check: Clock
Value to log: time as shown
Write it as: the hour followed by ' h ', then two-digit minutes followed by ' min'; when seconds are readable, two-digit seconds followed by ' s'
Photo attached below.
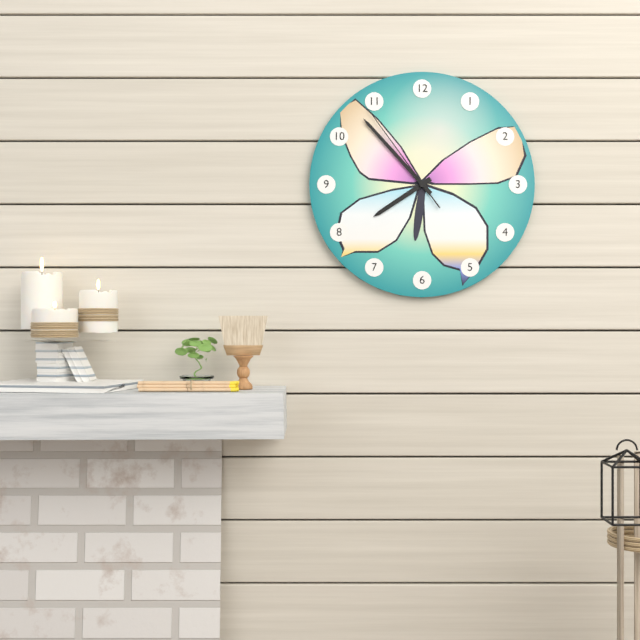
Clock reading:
7 h 53 min 54 s
